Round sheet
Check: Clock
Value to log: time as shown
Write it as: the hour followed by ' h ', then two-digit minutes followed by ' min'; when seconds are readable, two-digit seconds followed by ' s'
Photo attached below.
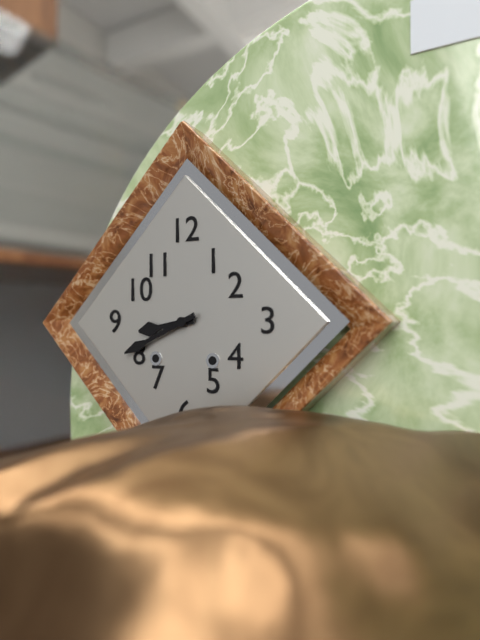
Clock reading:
8 h 41 min
